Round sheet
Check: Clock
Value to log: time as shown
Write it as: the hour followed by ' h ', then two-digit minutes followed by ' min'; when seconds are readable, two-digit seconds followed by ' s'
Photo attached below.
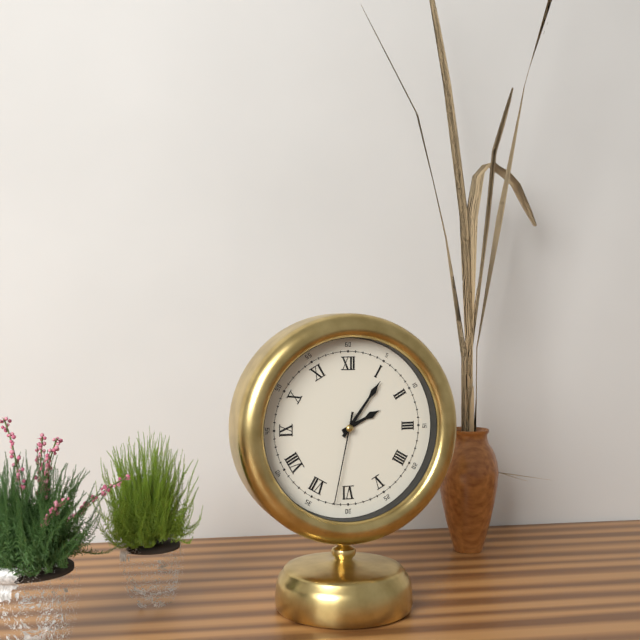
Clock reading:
2 h 06 min 32 s
